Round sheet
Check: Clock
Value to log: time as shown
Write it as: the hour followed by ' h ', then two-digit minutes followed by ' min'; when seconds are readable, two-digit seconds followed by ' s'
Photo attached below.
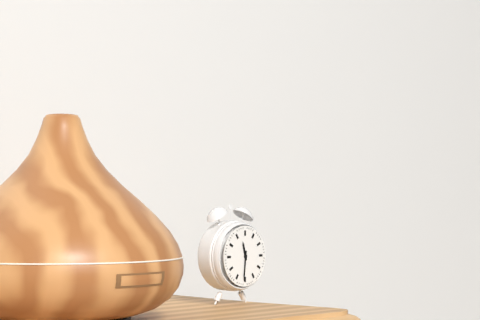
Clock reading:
11 h 31 min
